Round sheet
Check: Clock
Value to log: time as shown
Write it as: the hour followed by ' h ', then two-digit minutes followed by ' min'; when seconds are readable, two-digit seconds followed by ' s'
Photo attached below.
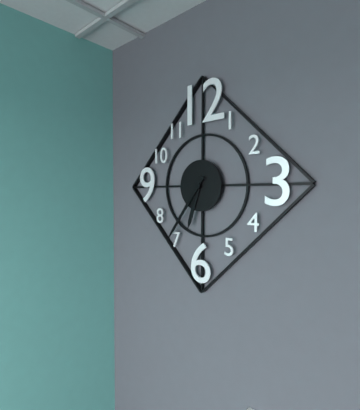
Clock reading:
6 h 36 min
